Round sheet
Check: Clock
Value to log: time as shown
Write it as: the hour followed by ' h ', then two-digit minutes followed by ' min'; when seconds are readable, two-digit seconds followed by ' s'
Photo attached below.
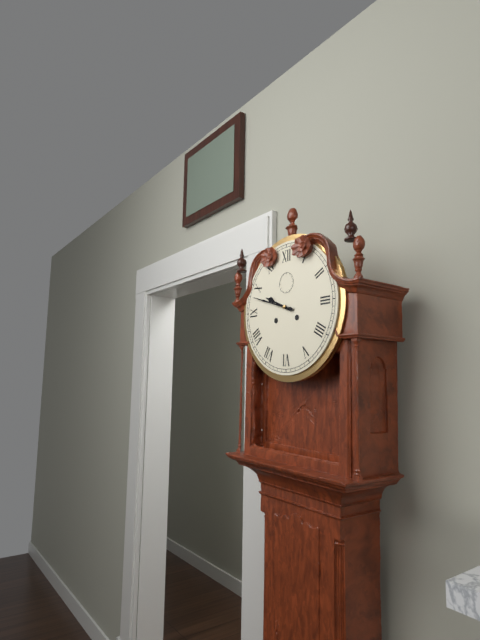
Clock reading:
9 h 48 min
